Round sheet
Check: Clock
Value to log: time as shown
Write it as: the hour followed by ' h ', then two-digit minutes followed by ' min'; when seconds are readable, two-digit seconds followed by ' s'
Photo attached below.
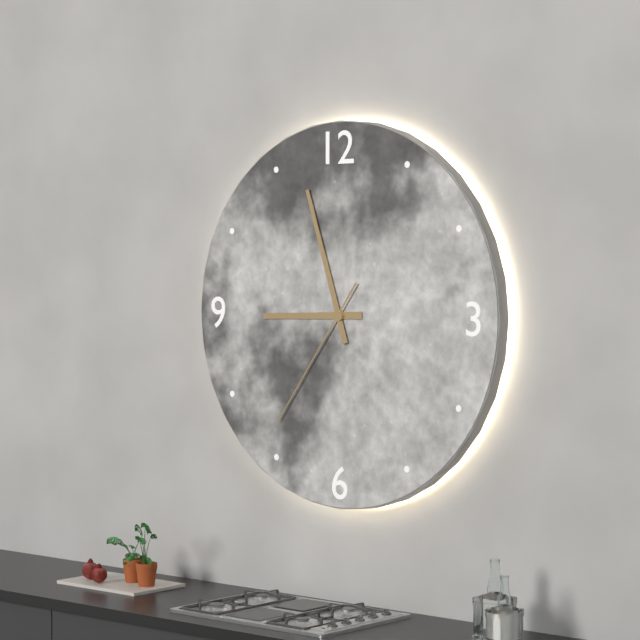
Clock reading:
8 h 57 min 36 s
